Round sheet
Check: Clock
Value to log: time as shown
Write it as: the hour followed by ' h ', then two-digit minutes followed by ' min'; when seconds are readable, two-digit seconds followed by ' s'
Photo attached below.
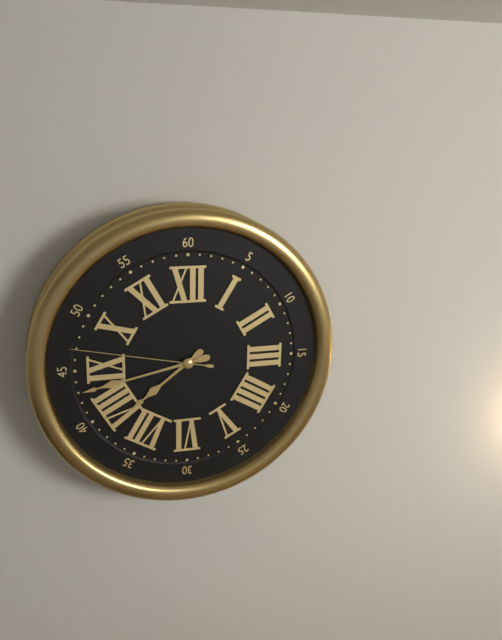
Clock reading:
7 h 43 min 47 s
